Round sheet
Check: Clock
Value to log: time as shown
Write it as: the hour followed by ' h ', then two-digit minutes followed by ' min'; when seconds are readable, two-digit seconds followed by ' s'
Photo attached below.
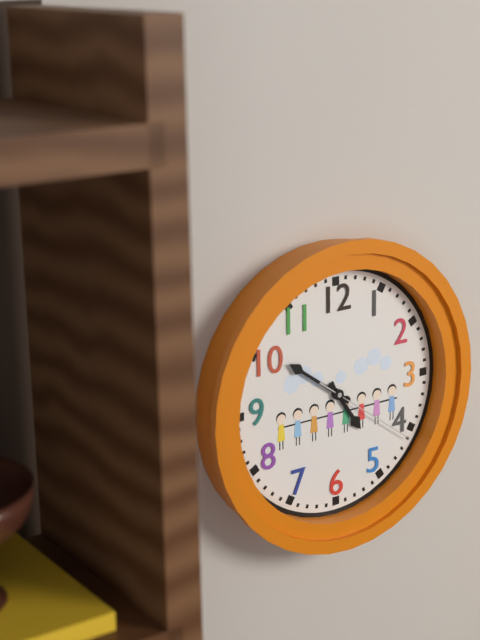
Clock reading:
4 h 51 min 21 s
